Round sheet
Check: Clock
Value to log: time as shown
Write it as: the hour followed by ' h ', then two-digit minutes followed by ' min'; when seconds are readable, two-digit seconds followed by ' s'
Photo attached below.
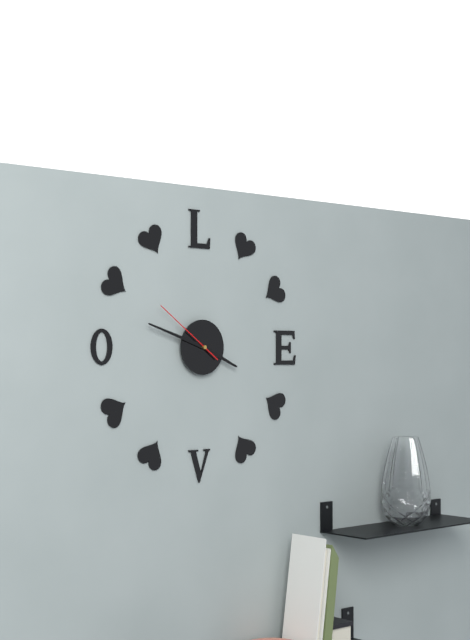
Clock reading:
3 h 48 min 51 s
